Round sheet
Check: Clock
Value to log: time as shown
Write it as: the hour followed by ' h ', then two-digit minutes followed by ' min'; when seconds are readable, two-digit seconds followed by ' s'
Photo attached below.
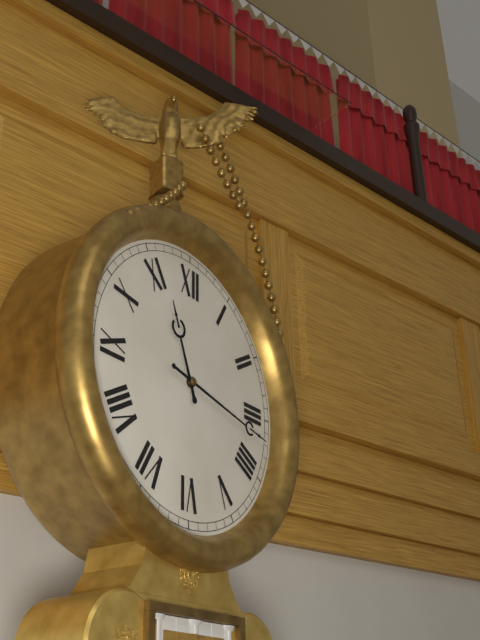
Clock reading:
11 h 17 min
